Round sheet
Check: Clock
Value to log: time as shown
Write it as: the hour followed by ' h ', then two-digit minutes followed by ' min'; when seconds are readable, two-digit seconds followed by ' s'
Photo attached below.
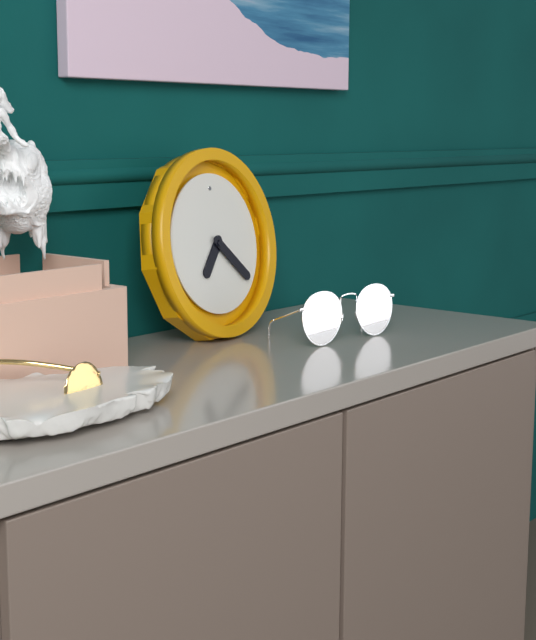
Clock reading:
7 h 22 min
